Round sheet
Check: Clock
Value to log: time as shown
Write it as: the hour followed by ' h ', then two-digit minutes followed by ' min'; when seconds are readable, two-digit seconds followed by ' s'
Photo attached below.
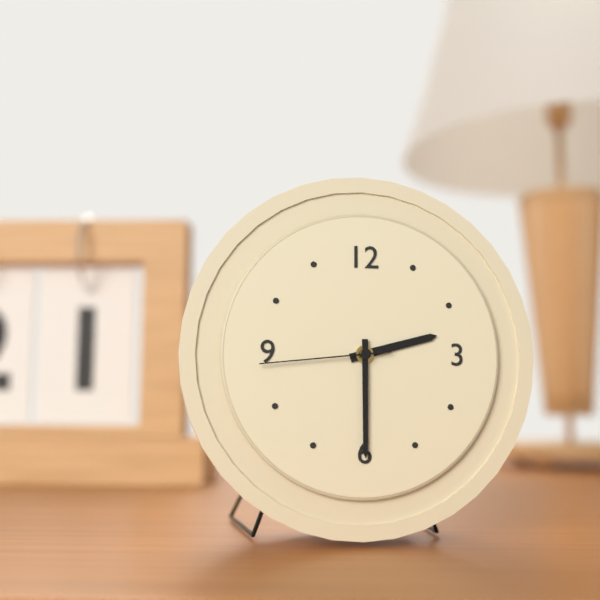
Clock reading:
2 h 30 min 44 s
